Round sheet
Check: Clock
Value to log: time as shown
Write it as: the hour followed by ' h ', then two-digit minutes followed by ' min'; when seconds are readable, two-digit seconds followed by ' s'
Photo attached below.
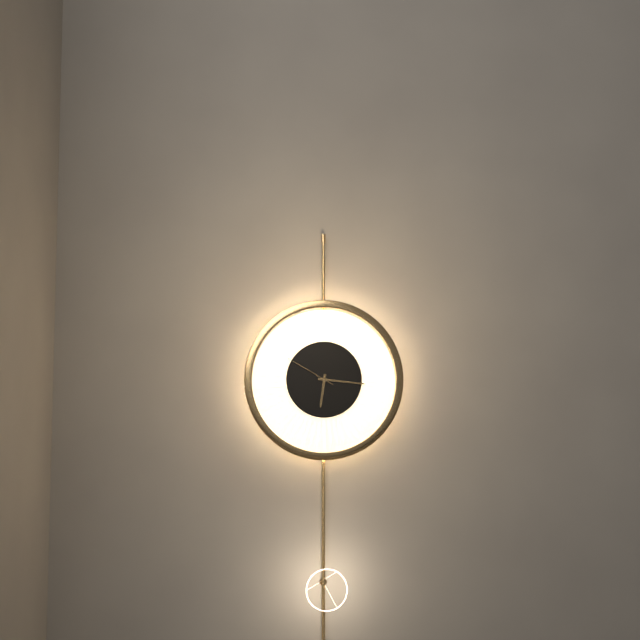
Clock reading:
6 h 16 min 50 s
